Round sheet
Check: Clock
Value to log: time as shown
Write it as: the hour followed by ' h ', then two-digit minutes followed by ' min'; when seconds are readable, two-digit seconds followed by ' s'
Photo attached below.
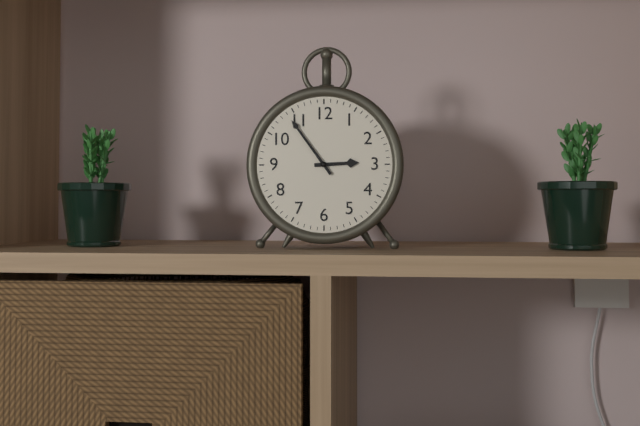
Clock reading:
2 h 54 min
